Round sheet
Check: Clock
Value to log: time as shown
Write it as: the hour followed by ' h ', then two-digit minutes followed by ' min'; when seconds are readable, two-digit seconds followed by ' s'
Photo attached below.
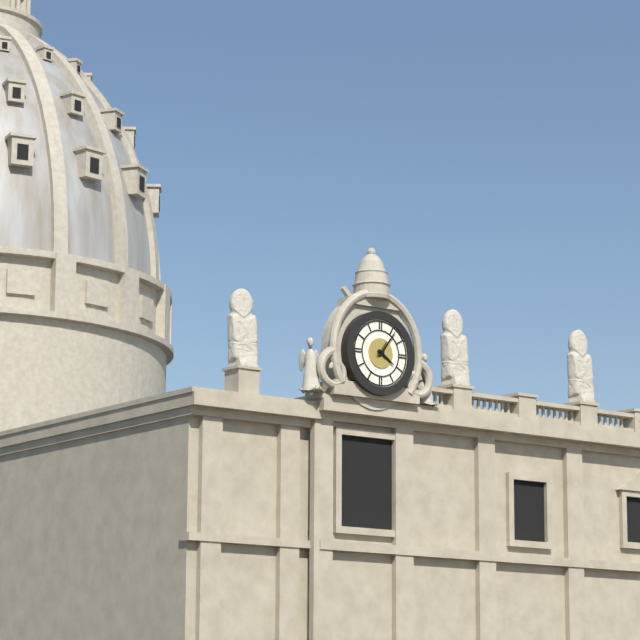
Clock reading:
4 h 06 min
